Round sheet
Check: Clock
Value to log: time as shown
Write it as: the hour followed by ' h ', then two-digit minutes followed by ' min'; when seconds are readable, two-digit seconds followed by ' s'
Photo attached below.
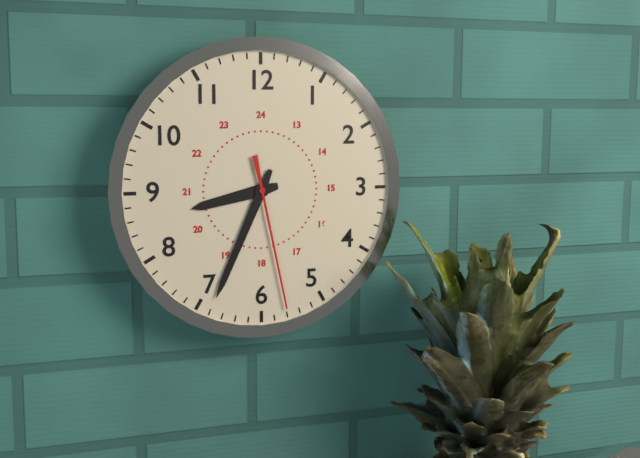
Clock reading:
8 h 34 min 28 s
